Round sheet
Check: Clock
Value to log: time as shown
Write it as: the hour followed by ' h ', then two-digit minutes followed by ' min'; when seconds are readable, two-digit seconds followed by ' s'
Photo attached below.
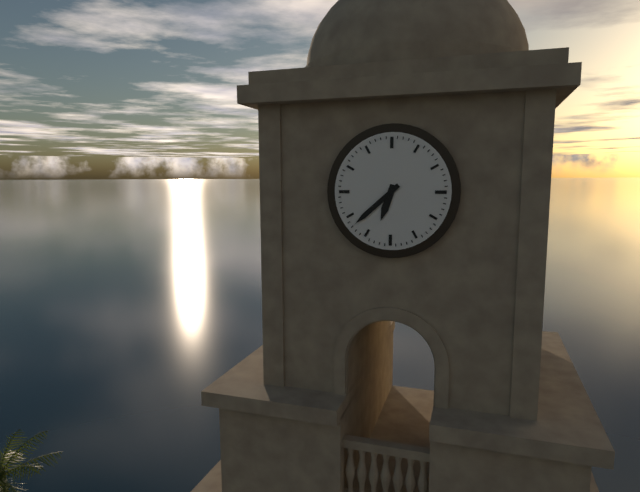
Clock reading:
6 h 38 min
